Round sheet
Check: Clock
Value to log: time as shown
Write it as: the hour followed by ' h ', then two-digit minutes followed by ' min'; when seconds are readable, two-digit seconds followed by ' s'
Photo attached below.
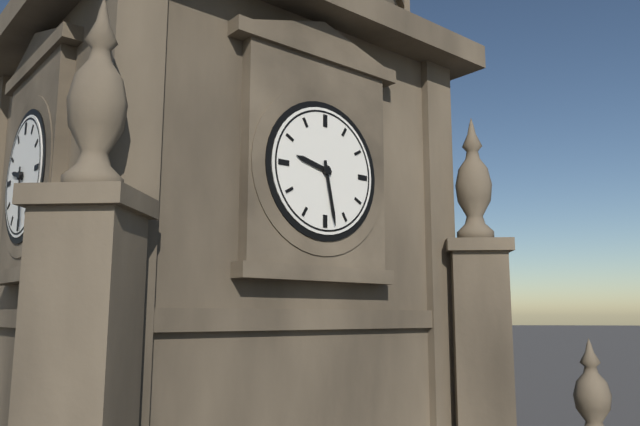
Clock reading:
9 h 28 min
